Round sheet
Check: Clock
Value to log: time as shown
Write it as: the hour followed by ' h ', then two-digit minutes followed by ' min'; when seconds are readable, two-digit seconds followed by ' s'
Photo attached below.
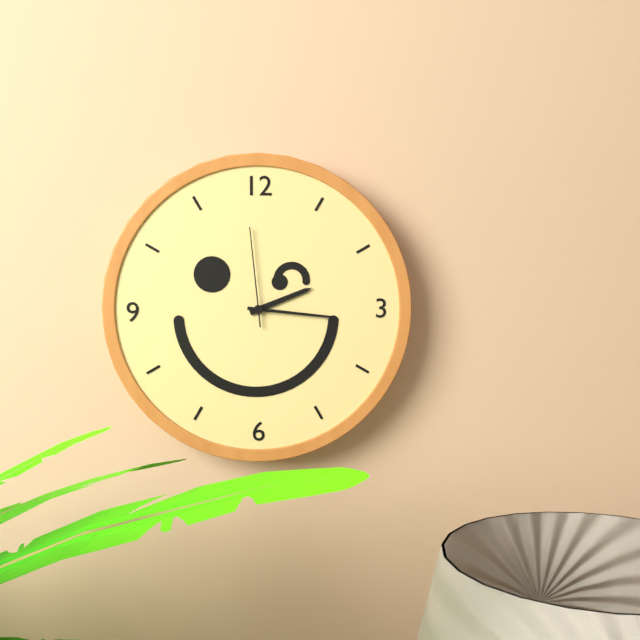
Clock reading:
2 h 16 min 59 s
